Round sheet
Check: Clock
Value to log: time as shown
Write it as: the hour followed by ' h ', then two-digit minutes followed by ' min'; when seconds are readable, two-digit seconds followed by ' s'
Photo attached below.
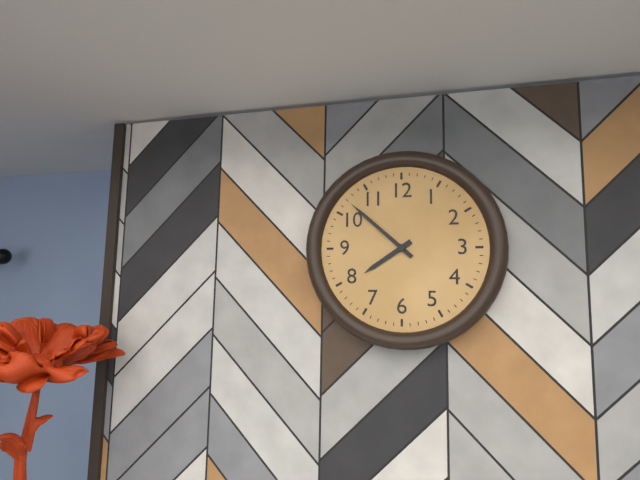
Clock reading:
7 h 52 min
